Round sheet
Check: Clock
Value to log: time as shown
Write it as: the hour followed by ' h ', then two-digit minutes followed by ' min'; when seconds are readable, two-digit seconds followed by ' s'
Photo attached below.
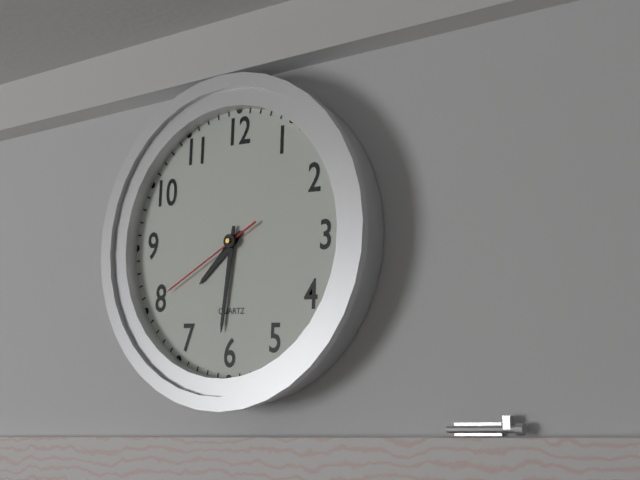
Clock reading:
7 h 31 min 40 s
